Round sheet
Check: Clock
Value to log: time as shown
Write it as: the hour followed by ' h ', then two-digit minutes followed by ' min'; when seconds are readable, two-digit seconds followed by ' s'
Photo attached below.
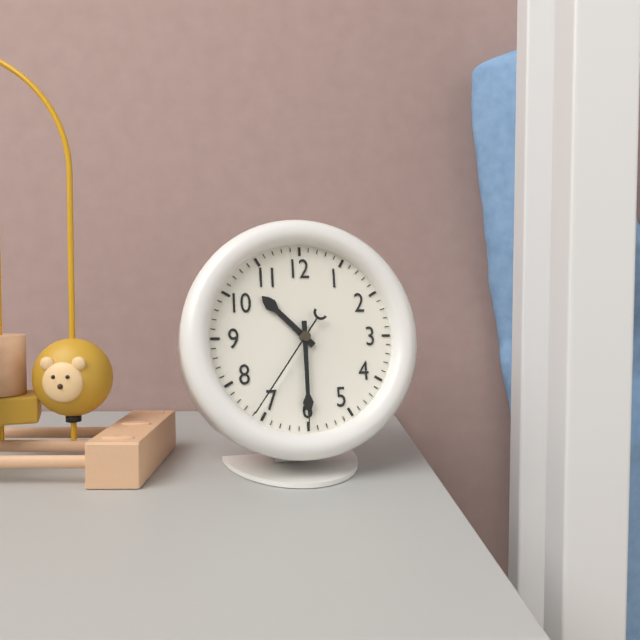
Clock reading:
10 h 30 min 36 s
